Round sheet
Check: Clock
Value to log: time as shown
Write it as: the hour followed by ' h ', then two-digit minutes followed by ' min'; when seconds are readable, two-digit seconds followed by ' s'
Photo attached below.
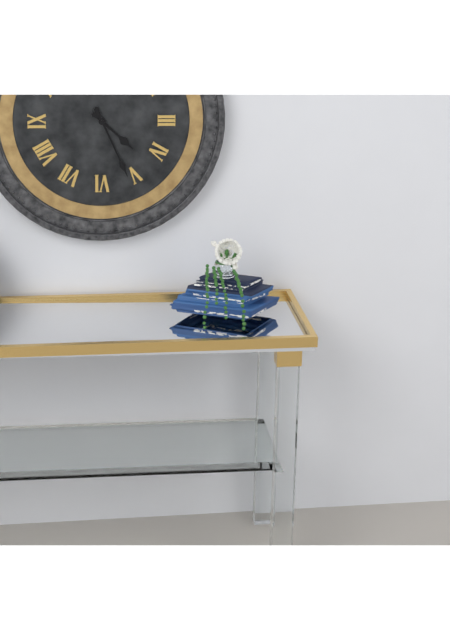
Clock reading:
4 h 26 min
